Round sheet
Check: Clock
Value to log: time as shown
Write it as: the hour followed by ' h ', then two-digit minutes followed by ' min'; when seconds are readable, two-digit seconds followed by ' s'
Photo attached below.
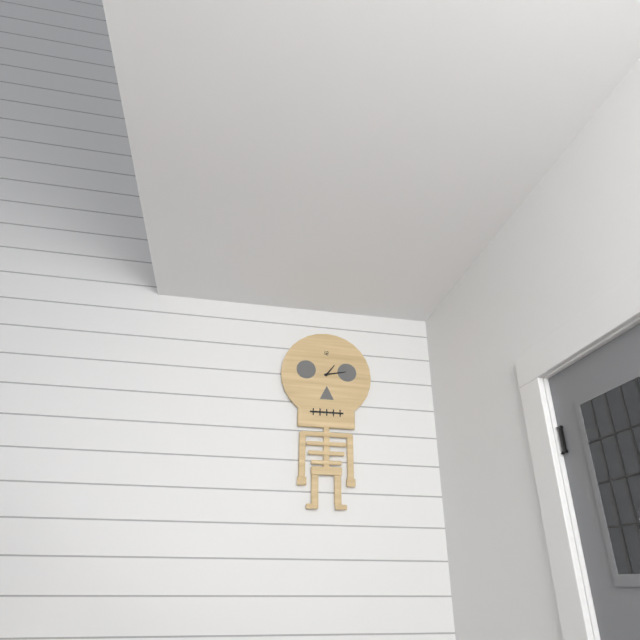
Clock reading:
1 h 13 min
